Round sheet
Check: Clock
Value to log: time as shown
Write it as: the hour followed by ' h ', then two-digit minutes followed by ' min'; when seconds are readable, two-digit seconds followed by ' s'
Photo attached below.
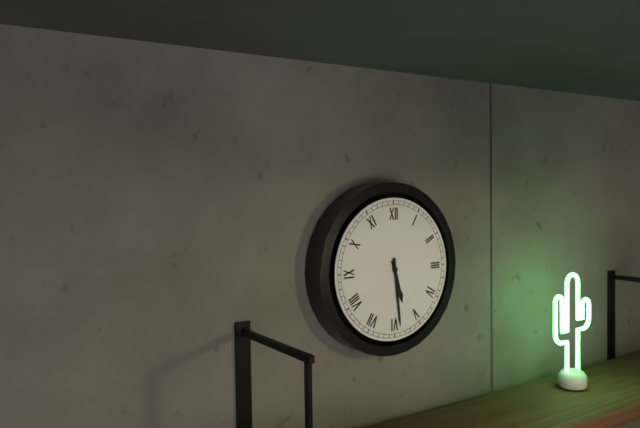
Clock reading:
5 h 29 min
